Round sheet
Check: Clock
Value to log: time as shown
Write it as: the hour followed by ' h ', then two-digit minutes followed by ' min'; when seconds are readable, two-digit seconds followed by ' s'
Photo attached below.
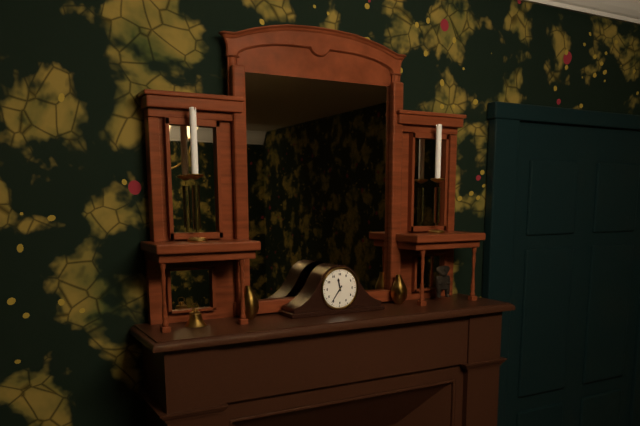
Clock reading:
11 h 36 min
